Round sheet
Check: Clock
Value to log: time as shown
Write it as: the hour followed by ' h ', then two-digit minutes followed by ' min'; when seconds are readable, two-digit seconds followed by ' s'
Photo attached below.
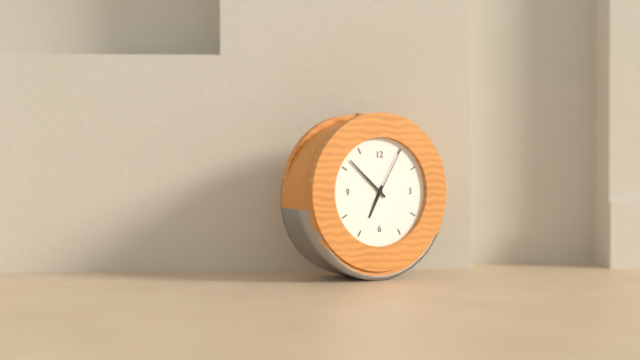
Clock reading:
6 h 52 min 05 s
